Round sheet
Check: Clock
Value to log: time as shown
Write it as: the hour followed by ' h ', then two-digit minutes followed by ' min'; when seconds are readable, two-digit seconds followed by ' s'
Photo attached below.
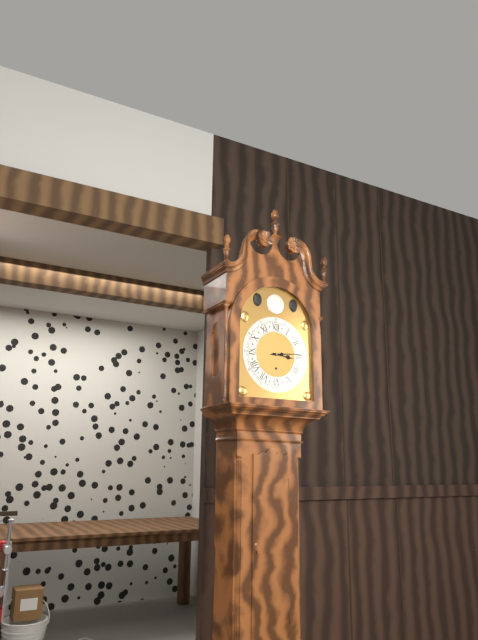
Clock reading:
3 h 14 min
